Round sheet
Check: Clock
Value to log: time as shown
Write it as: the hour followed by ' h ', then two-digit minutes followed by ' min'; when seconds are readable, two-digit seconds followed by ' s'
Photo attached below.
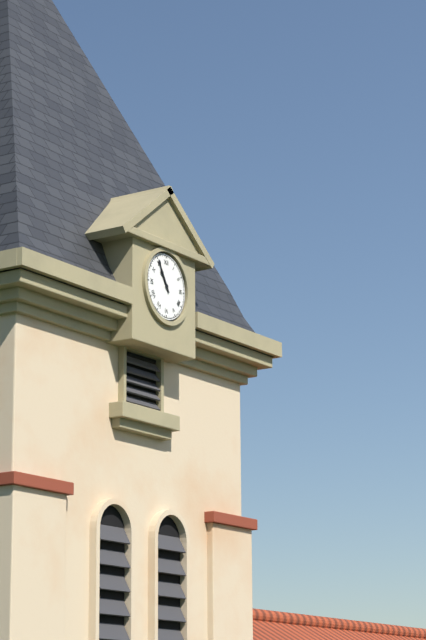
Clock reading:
10 h 55 min
